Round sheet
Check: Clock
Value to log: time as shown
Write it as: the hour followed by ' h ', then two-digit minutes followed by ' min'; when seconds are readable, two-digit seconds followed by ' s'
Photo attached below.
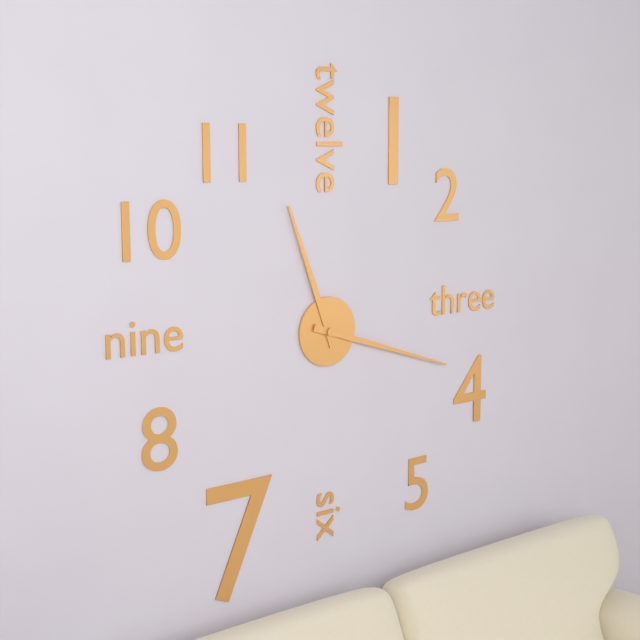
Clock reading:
11 h 18 min
